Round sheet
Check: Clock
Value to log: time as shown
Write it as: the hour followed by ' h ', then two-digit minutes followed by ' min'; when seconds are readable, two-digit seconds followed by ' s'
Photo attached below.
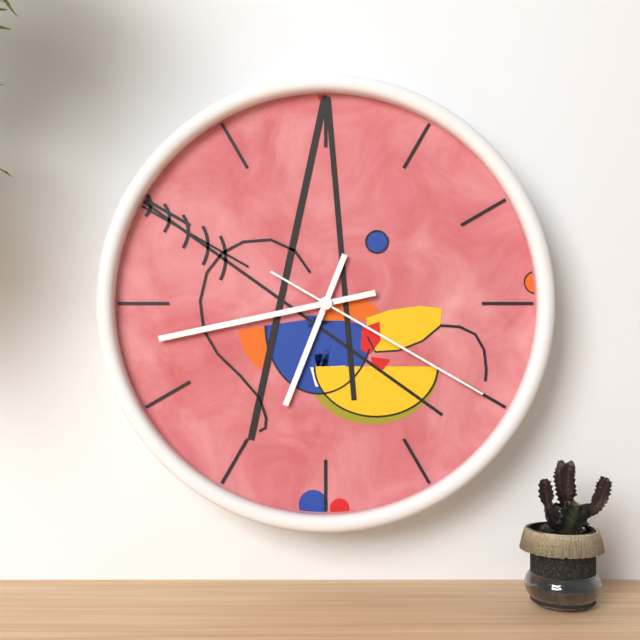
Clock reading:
6 h 43 min 20 s
